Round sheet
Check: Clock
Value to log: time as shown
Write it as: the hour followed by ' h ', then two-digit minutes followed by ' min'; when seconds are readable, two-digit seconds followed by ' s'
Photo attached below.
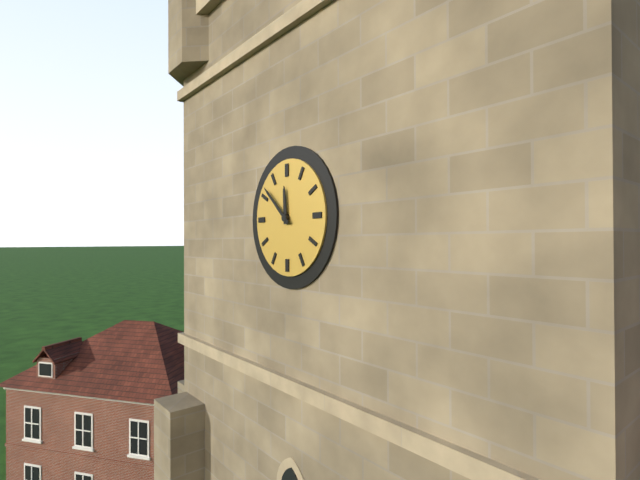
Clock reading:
11 h 52 min
